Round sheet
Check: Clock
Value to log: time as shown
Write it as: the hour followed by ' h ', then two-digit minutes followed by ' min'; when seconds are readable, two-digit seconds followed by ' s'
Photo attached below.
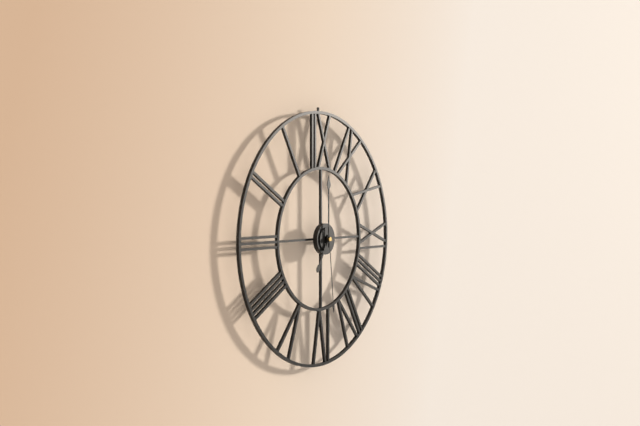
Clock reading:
7 h 00 min 29 s
